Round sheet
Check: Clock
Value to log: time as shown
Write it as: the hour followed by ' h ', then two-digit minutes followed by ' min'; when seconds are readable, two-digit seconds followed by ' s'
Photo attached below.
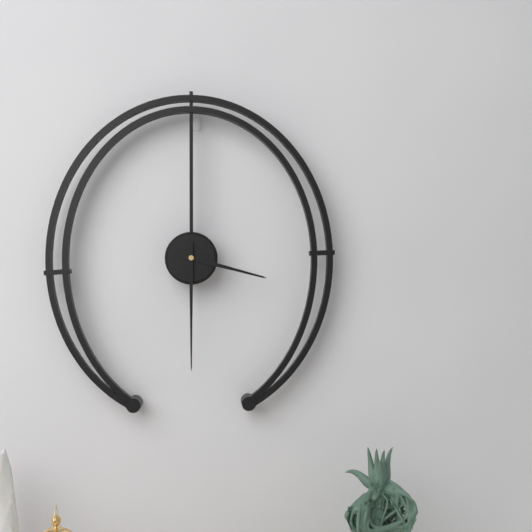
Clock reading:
3 h 30 min
